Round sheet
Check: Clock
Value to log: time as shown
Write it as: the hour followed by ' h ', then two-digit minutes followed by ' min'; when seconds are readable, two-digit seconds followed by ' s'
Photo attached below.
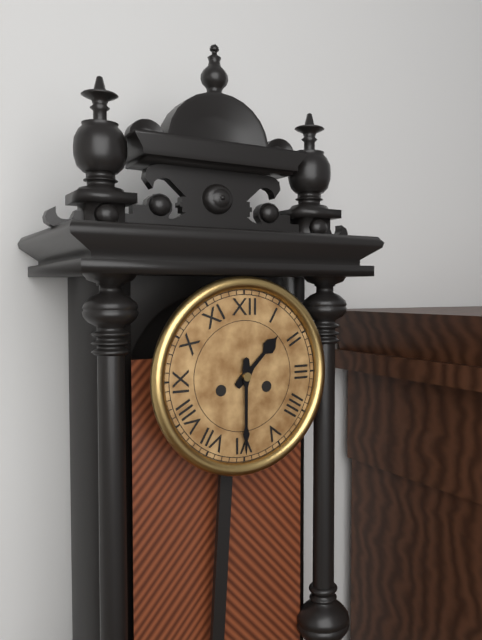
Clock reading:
1 h 30 min
